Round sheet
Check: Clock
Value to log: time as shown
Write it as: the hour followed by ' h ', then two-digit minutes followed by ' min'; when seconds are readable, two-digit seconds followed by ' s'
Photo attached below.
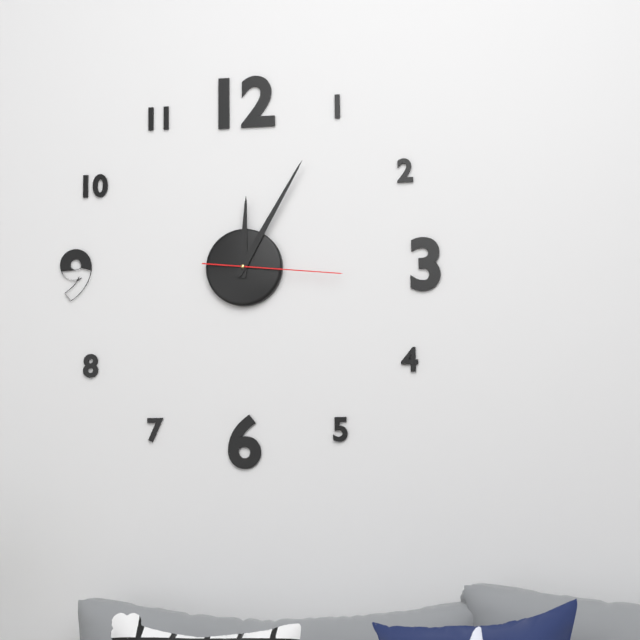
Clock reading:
12 h 05 min 16 s
